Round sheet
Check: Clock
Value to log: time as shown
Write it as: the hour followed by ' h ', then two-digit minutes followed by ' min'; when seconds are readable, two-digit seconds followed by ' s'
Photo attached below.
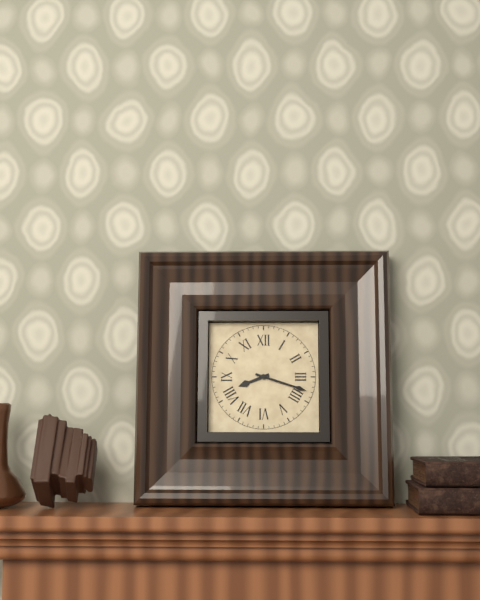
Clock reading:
8 h 18 min
